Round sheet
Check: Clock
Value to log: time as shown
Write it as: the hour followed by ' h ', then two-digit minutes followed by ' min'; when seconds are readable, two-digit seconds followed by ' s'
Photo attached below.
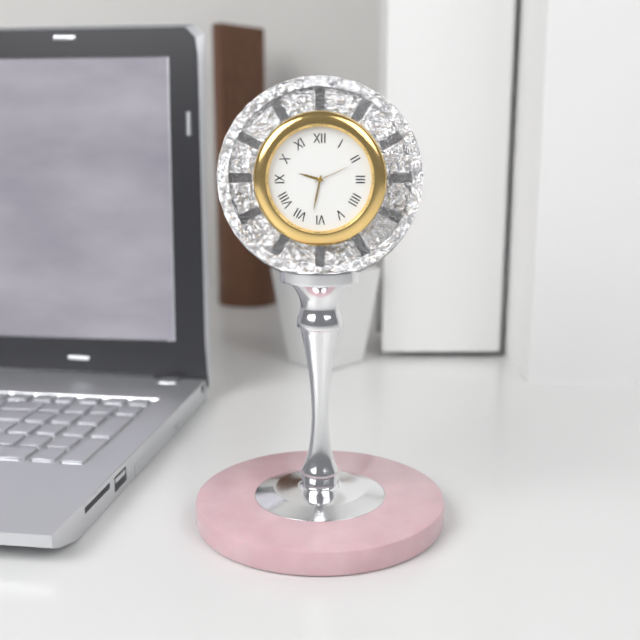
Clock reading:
9 h 32 min
